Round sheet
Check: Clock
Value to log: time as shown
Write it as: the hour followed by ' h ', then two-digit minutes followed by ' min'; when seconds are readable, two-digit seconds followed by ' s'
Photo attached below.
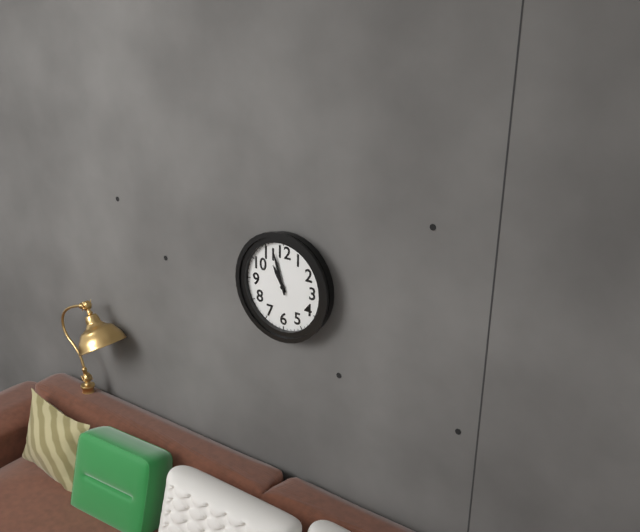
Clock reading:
10 h 57 min
